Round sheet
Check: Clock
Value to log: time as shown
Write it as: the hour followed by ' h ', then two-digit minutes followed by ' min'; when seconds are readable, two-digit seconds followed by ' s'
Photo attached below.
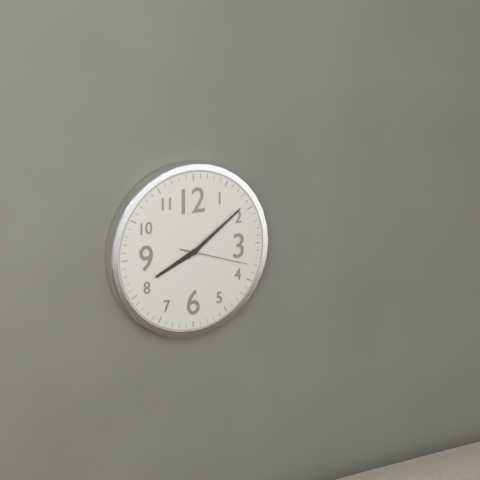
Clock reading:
8 h 09 min 18 s
